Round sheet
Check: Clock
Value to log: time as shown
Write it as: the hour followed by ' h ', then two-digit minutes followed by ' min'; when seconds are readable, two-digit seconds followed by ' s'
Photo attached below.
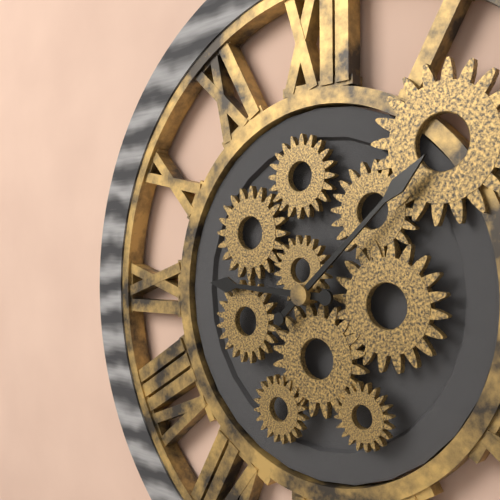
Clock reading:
9 h 08 min
